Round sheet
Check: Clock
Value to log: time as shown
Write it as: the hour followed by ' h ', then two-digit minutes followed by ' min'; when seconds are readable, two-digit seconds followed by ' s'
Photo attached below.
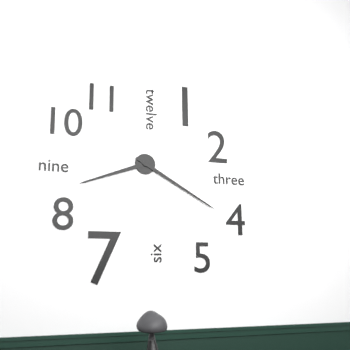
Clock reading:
8 h 20 min
